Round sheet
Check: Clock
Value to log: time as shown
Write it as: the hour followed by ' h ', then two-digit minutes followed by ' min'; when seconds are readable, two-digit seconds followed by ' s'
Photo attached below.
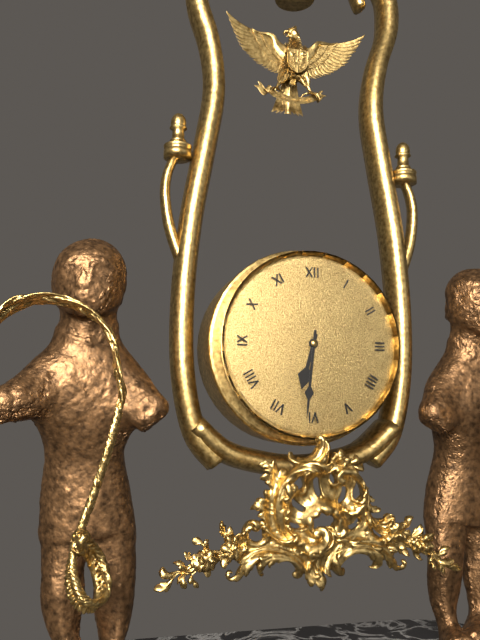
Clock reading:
6 h 31 min
